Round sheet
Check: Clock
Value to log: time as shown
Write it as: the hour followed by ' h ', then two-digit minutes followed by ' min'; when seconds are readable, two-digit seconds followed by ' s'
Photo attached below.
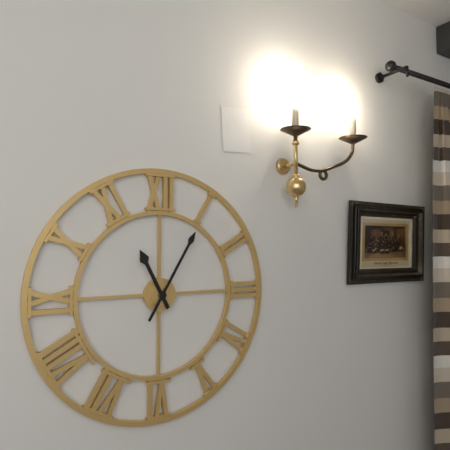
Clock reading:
11 h 05 min
